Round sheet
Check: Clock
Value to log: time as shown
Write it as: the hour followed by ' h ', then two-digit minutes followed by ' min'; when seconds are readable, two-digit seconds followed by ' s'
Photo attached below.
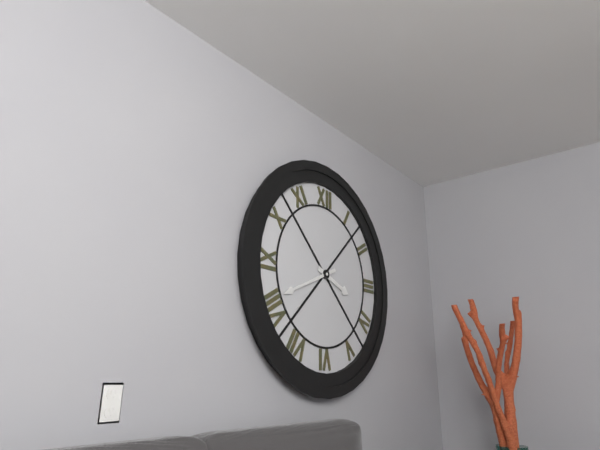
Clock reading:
3 h 41 min
